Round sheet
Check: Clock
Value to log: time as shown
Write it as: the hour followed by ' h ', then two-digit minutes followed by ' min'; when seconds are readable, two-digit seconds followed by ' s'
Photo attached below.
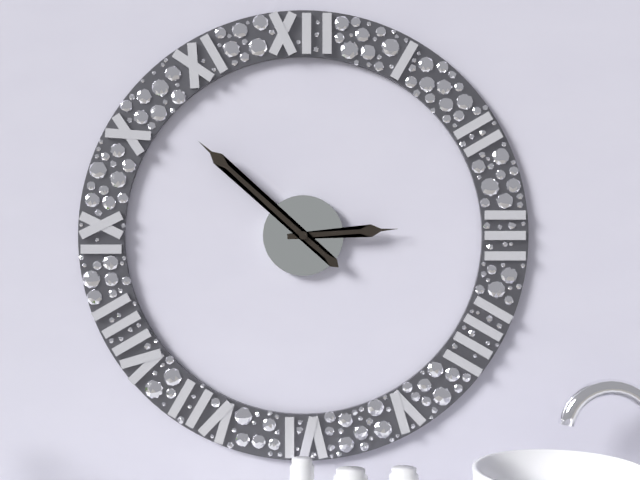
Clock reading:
2 h 52 min
